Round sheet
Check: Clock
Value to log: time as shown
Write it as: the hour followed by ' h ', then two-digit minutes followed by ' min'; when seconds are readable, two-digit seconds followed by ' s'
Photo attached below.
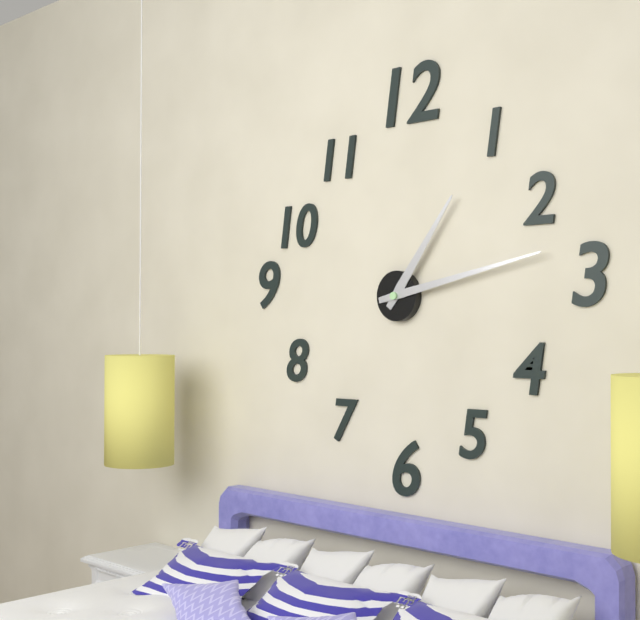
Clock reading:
1 h 13 min
